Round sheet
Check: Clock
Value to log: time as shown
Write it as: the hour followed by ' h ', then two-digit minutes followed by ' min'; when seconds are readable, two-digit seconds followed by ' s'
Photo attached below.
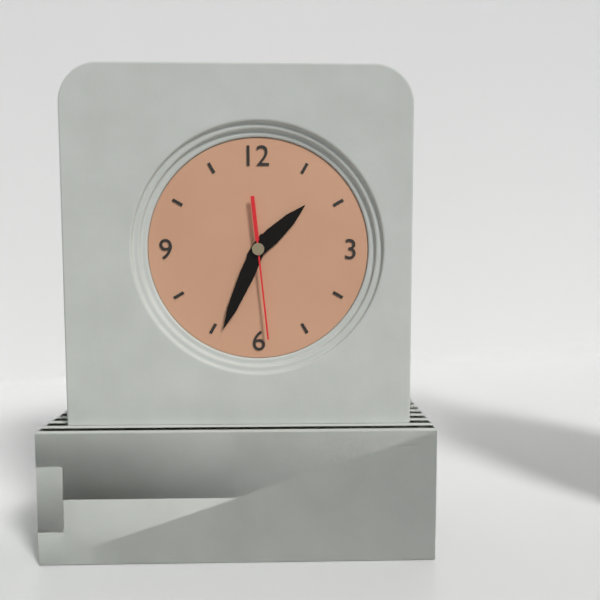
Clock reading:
1 h 34 min 29 s
